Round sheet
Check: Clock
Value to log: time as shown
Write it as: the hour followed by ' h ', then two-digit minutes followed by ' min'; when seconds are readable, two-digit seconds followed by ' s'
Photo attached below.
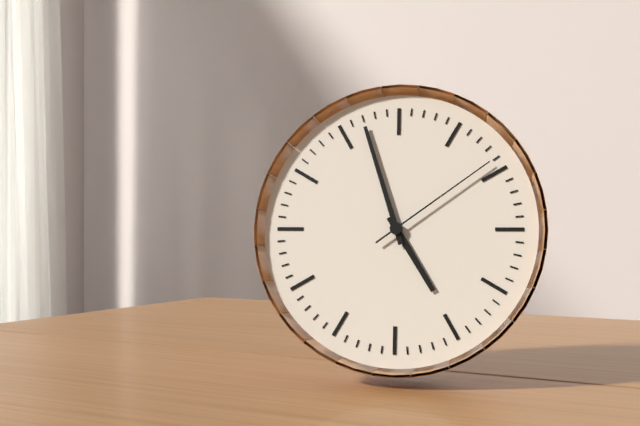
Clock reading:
4 h 57 min 09 s
